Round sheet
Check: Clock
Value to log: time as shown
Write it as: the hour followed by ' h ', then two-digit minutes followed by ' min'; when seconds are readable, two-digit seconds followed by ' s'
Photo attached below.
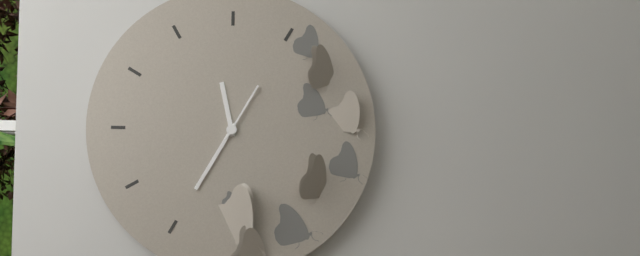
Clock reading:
11 h 35 min 05 s
